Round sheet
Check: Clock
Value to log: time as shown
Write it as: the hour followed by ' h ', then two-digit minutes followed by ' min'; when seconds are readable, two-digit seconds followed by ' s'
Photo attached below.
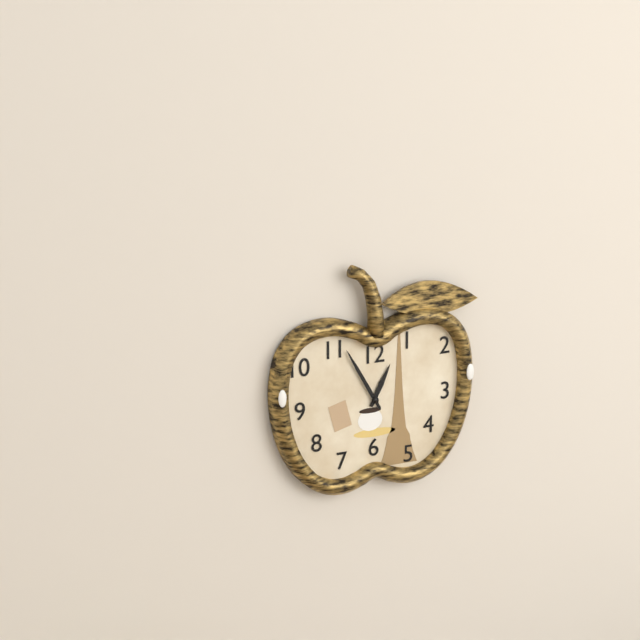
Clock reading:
12 h 55 min
